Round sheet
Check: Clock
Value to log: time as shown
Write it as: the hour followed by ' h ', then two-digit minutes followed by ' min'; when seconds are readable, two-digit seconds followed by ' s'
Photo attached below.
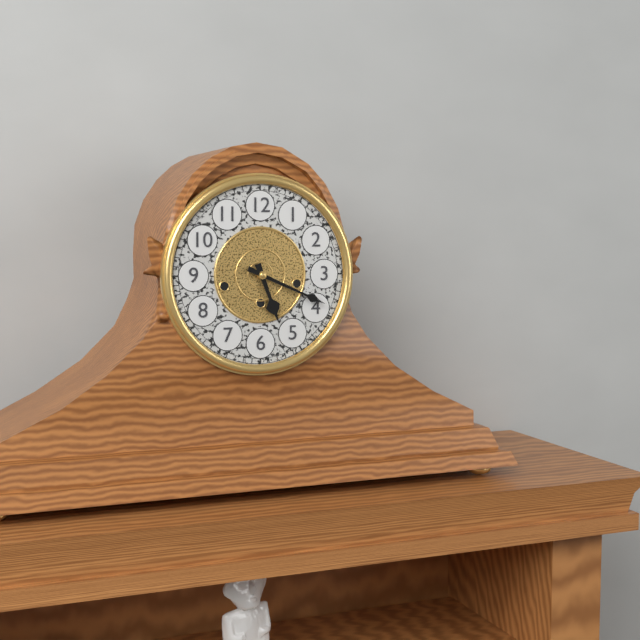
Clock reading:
5 h 19 min
